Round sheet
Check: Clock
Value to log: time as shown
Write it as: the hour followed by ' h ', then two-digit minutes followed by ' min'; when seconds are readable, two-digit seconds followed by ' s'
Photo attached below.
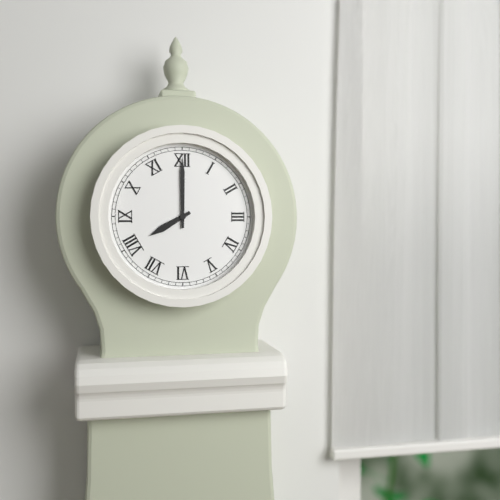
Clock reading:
8 h 00 min
